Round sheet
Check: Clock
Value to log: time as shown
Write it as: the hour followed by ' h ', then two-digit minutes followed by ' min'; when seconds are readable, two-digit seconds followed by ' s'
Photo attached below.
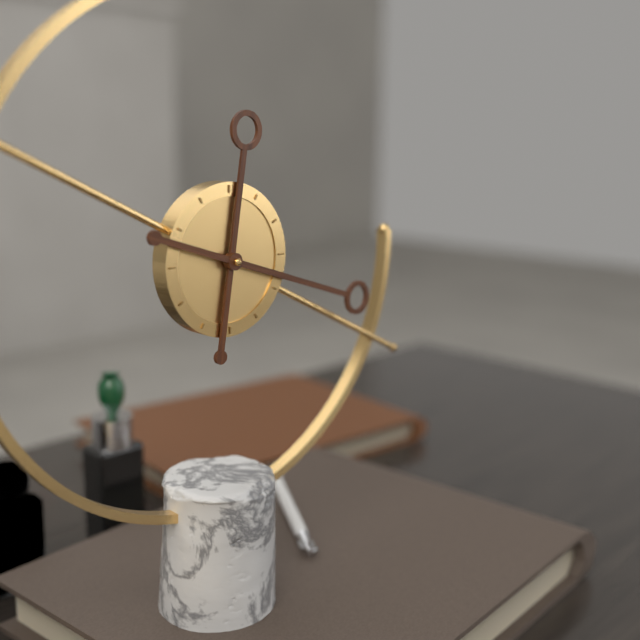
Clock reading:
12 h 18 min
